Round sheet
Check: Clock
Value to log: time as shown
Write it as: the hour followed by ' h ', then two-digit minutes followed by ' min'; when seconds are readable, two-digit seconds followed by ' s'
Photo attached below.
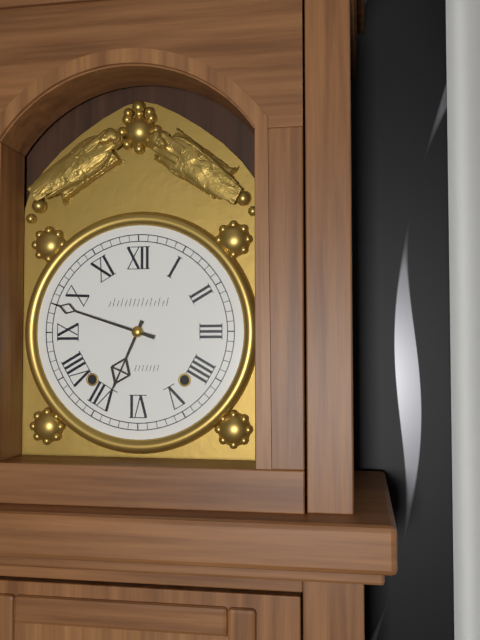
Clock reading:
6 h 48 min
